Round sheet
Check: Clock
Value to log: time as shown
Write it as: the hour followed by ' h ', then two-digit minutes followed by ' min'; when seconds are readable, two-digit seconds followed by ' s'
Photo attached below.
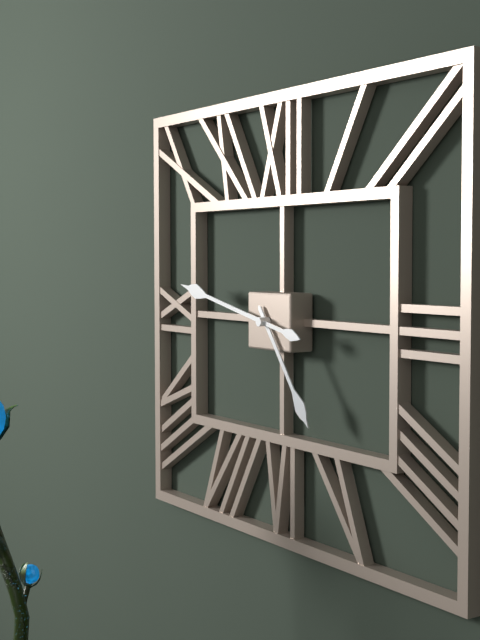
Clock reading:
4 h 47 min
